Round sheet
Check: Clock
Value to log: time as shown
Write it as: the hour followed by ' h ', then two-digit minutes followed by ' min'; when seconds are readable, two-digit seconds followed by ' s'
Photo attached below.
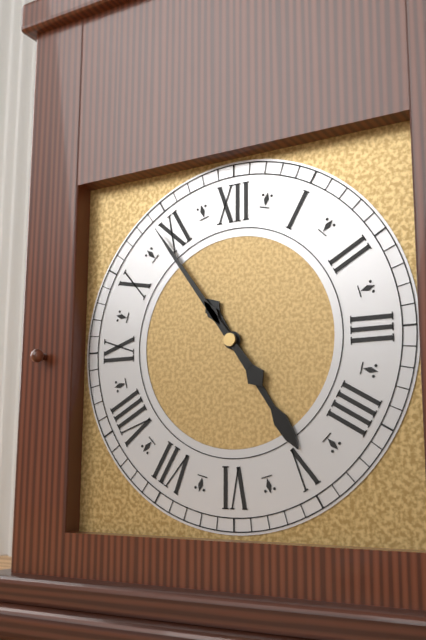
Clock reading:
4 h 54 min
